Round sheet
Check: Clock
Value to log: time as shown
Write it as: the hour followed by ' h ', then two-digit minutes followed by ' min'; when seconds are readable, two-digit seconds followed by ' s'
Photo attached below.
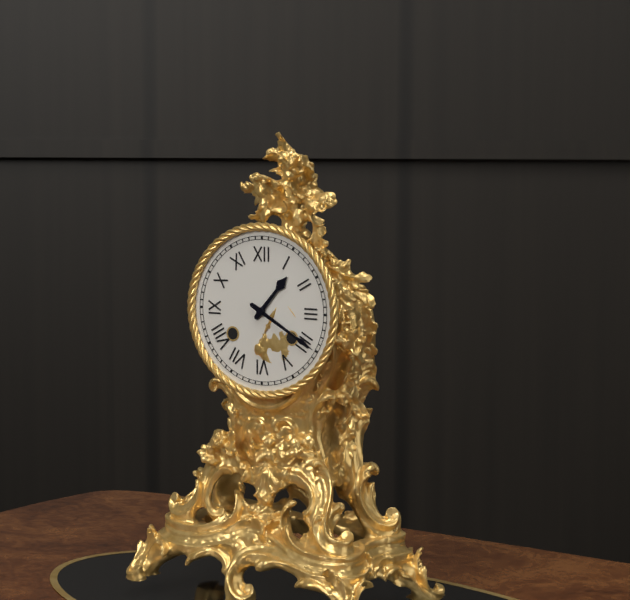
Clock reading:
1 h 20 min
